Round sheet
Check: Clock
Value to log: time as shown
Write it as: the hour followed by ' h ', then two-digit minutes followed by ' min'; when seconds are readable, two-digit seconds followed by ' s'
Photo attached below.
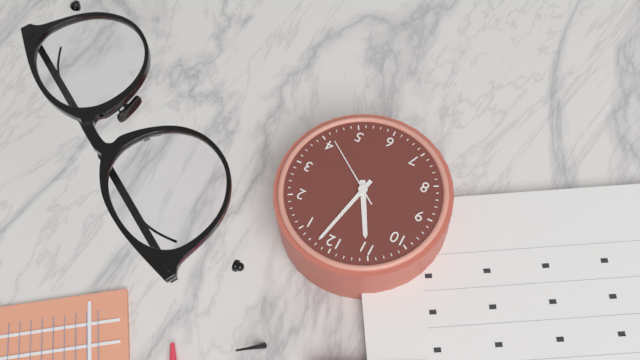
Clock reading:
11 h 02 min 21 s
